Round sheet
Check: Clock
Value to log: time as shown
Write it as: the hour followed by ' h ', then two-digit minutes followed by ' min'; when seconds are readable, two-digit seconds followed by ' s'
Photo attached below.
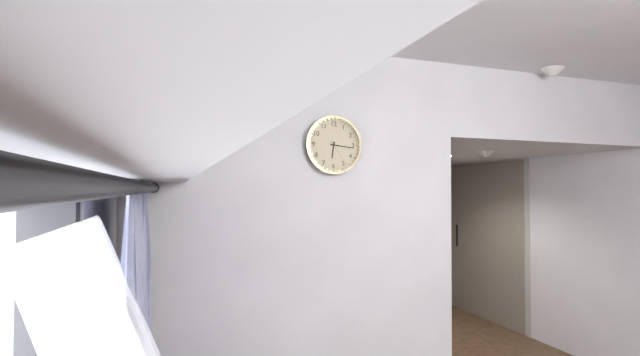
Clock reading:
6 h 16 min
